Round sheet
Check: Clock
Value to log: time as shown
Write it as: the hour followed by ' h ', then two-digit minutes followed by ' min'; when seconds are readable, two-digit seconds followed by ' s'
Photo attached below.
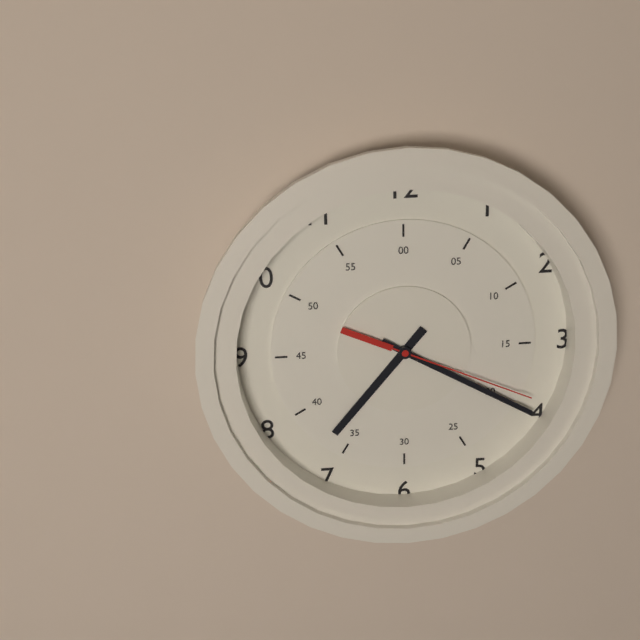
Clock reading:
7 h 20 min 19 s
